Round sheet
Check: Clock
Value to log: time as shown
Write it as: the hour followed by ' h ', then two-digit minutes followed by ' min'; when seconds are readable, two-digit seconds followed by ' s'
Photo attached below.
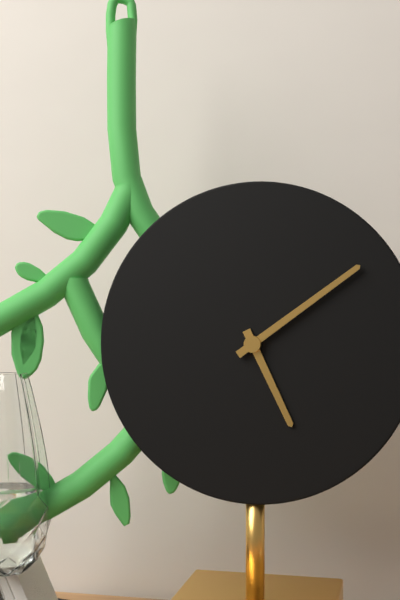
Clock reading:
5 h 09 min
